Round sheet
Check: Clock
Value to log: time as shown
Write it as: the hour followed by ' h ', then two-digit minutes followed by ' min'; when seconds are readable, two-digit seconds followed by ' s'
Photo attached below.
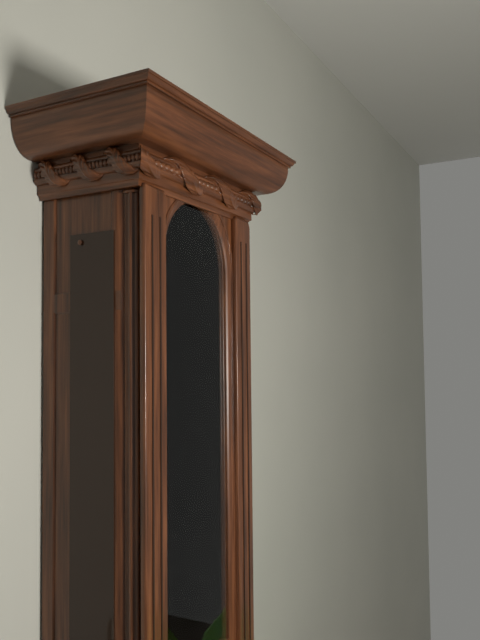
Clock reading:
11 h 55 min
